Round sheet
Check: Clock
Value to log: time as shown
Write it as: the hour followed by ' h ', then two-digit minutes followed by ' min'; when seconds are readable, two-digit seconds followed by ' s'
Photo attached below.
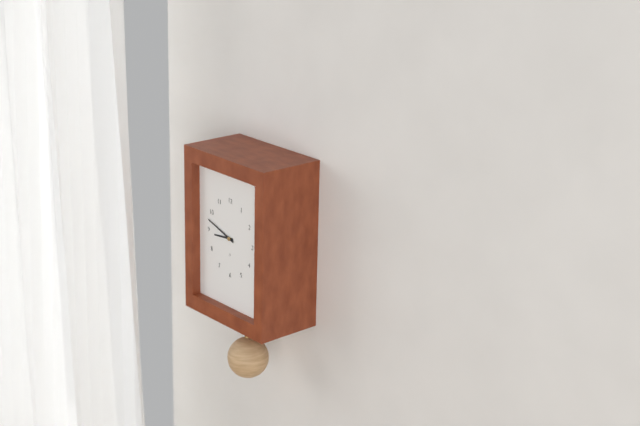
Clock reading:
8 h 48 min
